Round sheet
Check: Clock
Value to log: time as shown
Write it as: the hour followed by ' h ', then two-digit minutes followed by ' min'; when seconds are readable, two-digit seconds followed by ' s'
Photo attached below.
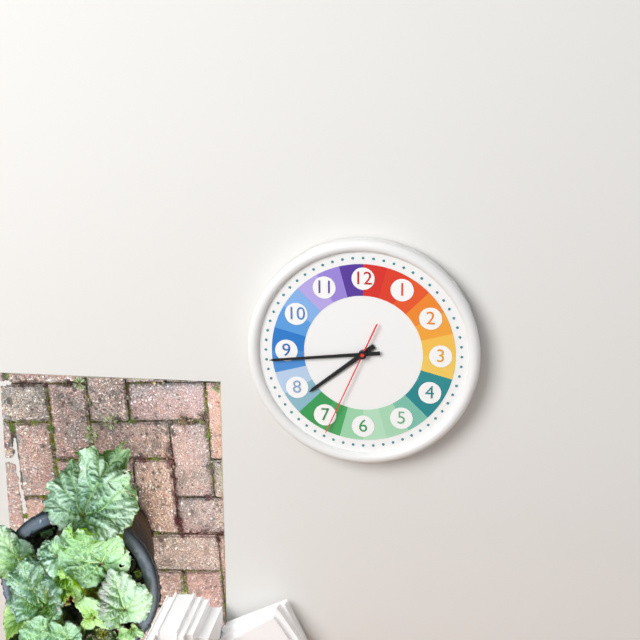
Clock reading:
7 h 44 min 34 s
